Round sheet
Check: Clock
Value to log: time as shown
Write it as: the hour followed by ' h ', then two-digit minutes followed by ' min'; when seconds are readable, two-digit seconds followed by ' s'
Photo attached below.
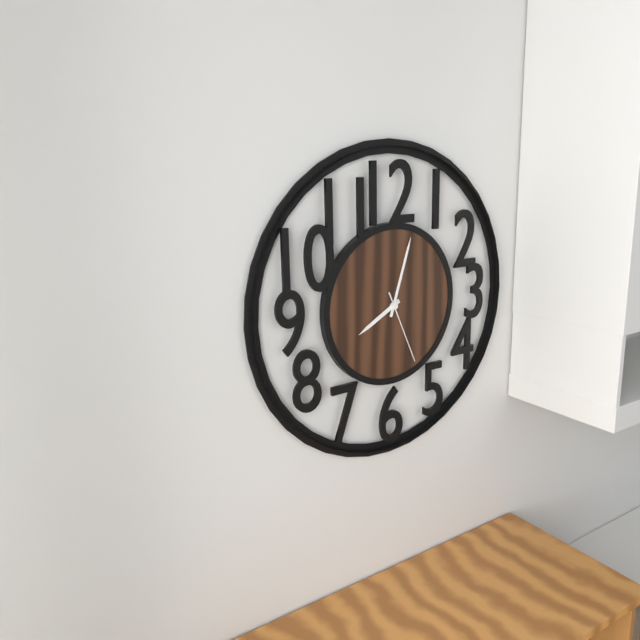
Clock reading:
8 h 03 min 26 s
